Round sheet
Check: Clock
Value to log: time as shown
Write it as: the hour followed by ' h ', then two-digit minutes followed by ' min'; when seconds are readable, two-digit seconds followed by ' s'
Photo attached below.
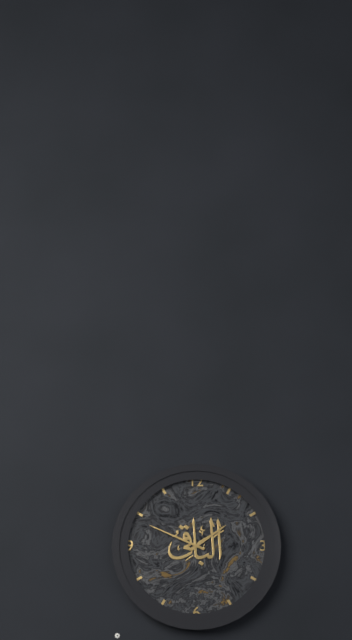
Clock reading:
1 h 49 min
